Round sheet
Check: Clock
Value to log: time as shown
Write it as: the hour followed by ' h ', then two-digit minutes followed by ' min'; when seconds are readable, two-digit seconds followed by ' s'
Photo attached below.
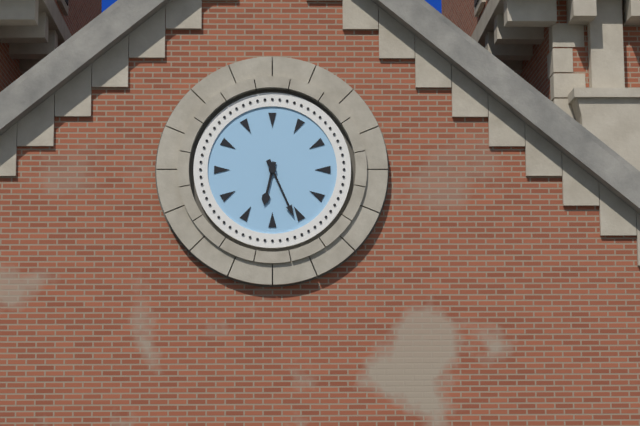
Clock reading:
6 h 26 min
